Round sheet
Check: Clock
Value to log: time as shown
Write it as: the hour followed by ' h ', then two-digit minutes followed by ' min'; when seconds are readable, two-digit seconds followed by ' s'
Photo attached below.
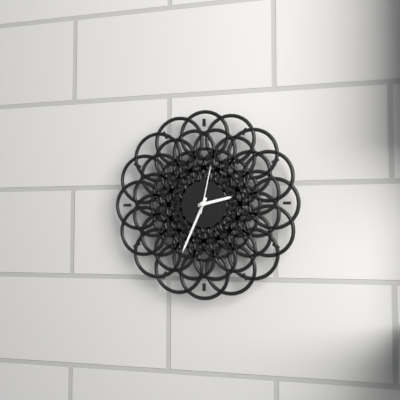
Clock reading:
2 h 34 min
